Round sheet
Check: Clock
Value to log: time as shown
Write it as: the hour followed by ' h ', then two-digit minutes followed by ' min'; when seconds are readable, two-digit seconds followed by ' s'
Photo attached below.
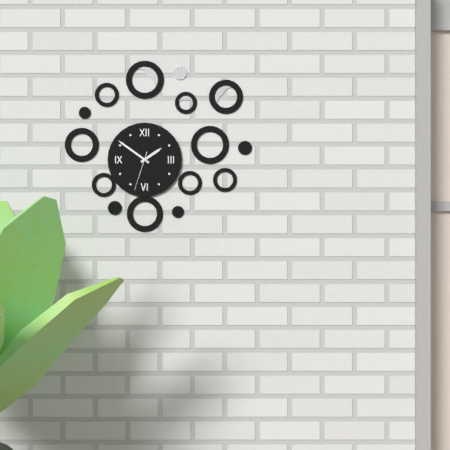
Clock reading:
1 h 51 min
